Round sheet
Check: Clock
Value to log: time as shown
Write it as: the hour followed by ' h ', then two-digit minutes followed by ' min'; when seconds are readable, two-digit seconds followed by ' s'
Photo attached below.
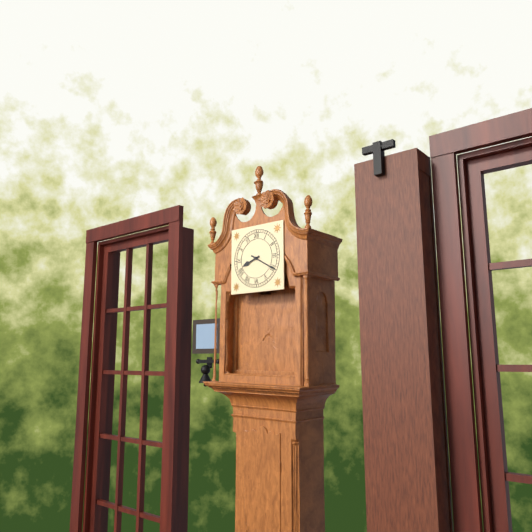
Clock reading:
8 h 20 min
